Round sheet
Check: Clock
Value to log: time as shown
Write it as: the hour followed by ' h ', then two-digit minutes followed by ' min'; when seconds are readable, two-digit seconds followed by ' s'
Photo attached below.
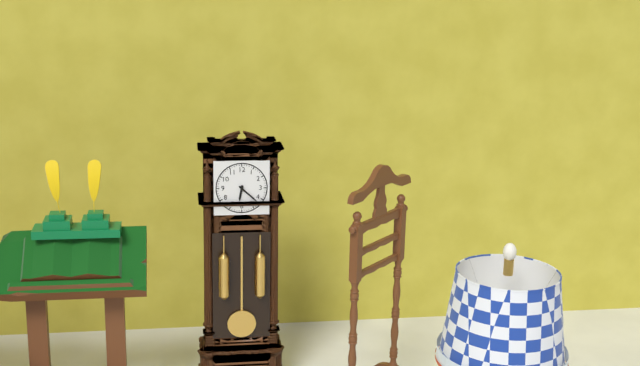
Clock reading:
6 h 22 min
